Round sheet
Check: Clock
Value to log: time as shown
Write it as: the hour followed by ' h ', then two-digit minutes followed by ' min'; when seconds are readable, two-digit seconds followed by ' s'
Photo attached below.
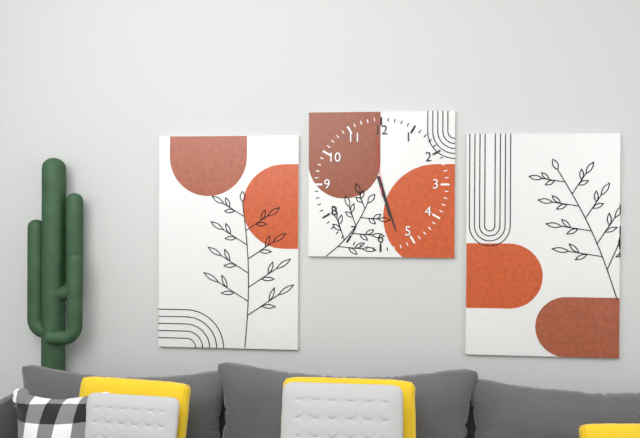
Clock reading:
5 h 27 min 59 s
